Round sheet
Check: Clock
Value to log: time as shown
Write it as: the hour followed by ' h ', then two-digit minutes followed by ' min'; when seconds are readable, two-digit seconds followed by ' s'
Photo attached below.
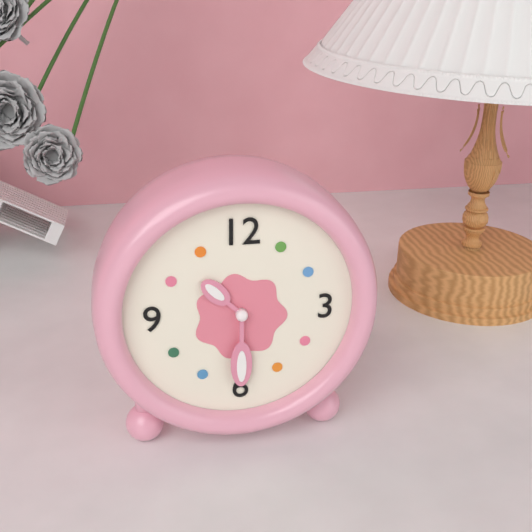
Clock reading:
10 h 30 min
